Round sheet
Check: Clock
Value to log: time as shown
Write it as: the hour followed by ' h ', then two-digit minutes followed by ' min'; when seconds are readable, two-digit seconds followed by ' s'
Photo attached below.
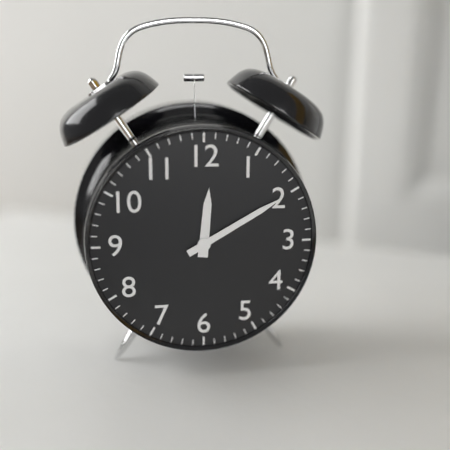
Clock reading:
12 h 10 min
